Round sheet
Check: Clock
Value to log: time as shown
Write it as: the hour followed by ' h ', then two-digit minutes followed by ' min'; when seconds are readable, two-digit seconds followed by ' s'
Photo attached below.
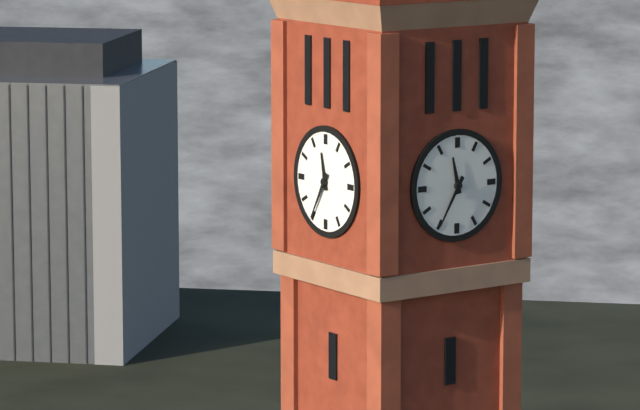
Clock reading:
11 h 35 min
